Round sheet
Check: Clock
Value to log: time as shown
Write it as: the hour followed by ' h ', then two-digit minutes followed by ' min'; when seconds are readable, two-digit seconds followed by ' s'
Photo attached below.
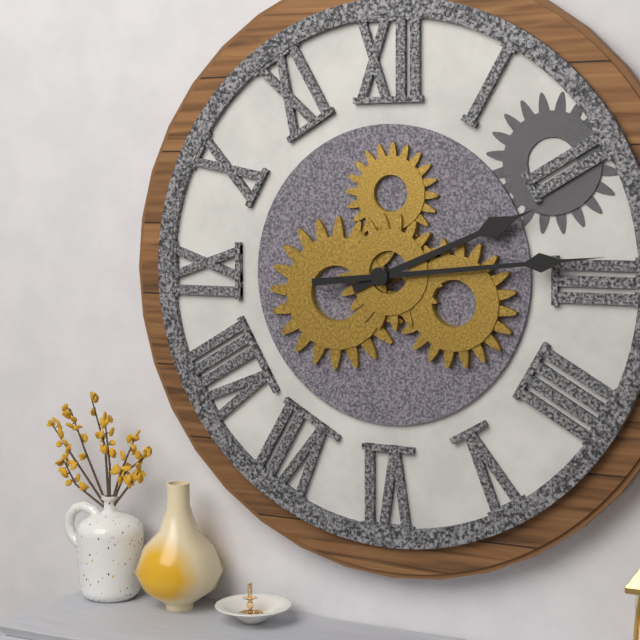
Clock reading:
2 h 14 min
